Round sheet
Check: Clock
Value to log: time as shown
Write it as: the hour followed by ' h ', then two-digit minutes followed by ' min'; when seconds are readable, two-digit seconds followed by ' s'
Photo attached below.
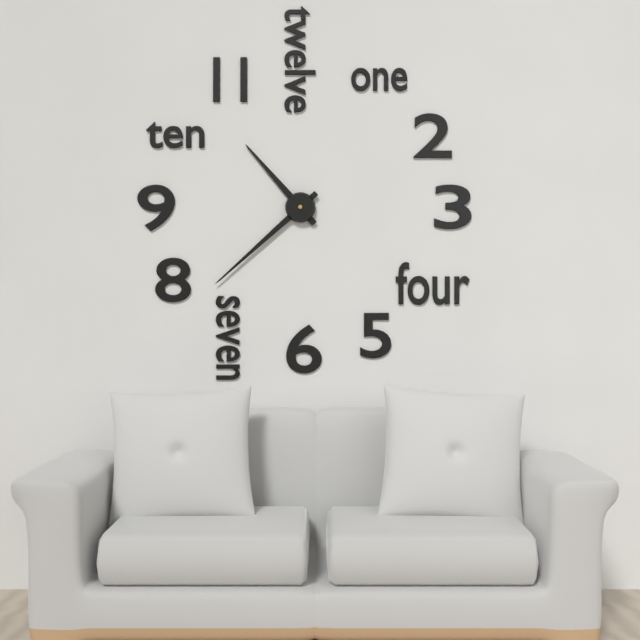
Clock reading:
10 h 38 min
